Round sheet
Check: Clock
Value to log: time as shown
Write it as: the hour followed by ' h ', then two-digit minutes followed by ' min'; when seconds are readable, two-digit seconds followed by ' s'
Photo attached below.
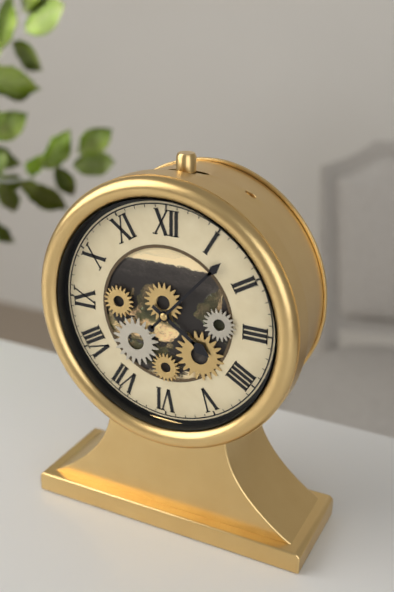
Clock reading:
4 h 07 min
